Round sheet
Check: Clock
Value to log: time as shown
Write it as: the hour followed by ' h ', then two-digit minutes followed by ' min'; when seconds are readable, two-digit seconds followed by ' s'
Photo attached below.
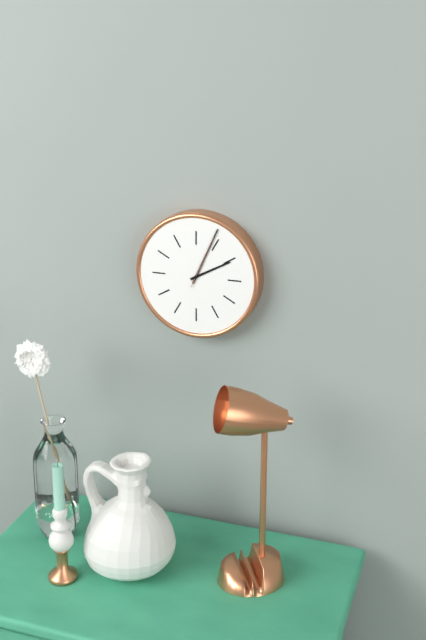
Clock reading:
2 h 04 min
